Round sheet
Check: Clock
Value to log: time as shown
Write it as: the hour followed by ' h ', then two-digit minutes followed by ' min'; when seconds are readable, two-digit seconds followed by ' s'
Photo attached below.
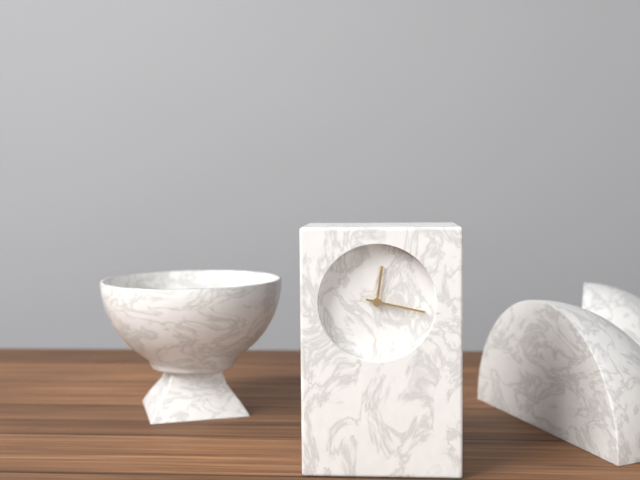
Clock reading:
12 h 17 min
